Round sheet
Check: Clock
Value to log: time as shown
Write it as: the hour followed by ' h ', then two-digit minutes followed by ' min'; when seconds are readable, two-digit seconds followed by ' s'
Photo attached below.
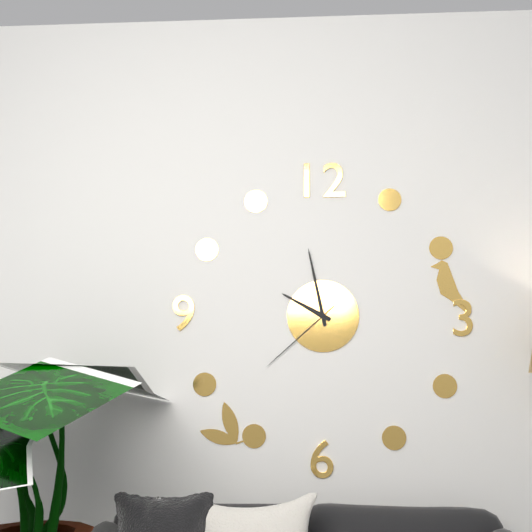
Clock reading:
9 h 58 min 38 s
